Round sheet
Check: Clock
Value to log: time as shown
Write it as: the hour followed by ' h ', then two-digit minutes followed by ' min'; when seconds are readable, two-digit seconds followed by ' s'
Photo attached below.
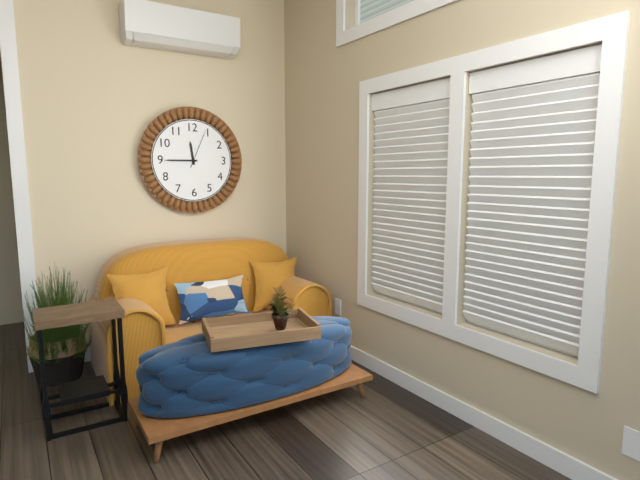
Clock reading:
11 h 45 min
